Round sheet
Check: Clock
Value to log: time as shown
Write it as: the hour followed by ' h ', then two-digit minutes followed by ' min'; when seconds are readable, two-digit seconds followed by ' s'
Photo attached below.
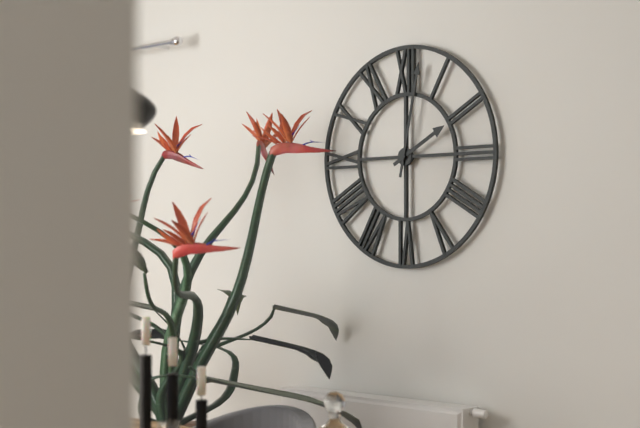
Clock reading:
2 h 02 min
